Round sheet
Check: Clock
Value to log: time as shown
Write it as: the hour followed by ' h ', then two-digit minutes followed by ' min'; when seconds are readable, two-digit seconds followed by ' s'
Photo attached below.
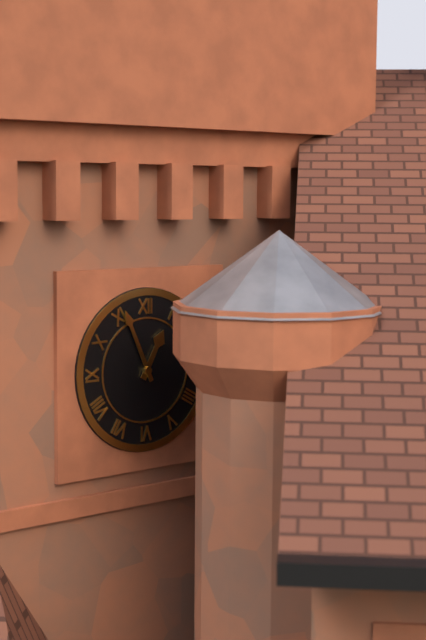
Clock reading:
12 h 56 min
